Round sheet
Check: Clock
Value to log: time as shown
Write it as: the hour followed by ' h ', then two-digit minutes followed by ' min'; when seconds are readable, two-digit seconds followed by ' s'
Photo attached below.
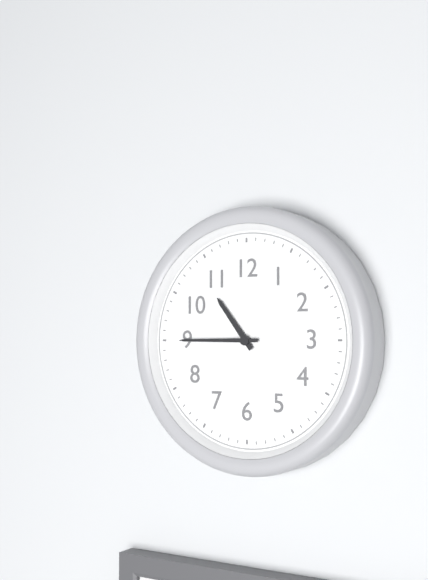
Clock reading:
10 h 45 min
